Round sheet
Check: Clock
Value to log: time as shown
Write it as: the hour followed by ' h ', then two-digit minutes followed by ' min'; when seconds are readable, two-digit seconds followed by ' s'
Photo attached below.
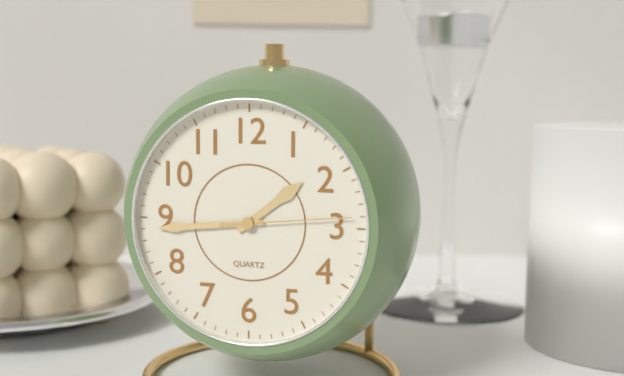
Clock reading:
1 h 44 min 14 s
